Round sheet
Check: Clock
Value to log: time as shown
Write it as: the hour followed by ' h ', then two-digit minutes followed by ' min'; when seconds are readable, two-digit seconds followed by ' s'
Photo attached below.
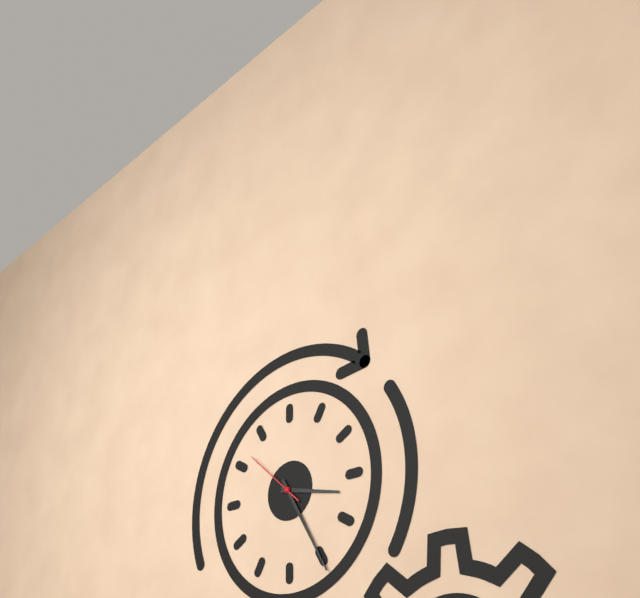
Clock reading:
3 h 25 min 52 s
